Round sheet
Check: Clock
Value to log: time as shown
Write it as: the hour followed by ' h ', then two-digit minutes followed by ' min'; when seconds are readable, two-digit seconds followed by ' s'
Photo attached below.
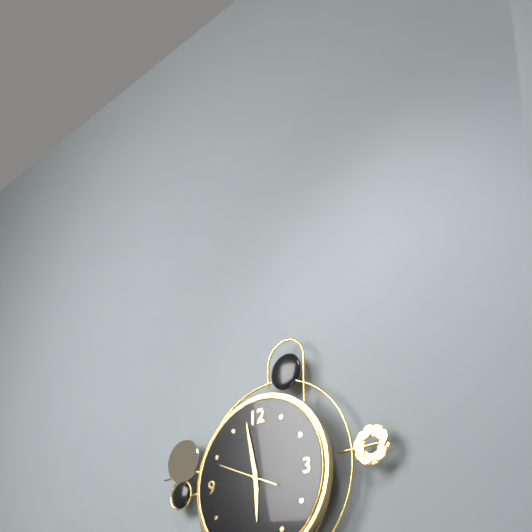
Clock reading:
5 h 58 min
